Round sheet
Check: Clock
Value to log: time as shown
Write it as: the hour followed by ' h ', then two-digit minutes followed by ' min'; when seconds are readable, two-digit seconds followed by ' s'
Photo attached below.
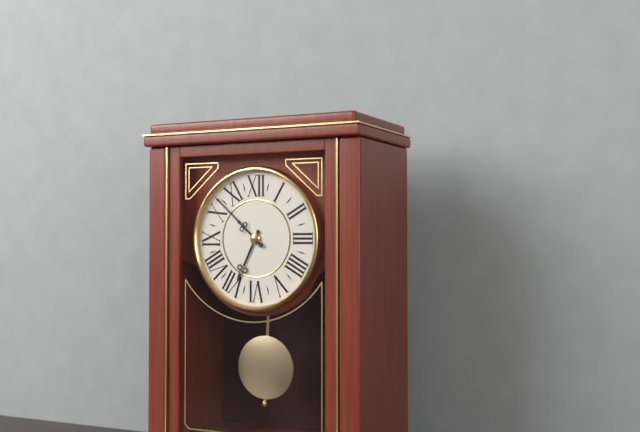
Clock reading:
6 h 52 min
